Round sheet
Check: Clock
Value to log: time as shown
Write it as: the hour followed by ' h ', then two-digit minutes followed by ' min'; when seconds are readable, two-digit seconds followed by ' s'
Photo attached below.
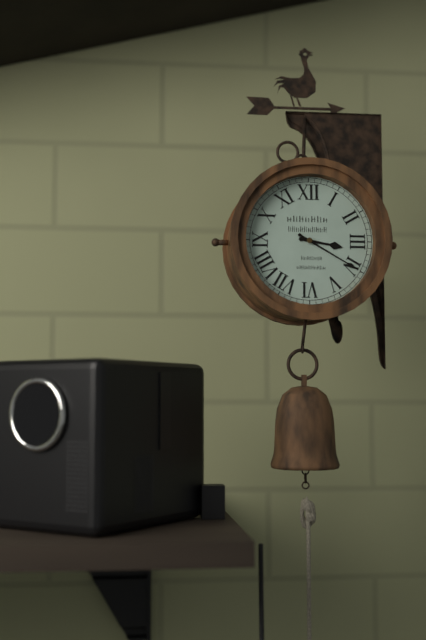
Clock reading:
3 h 20 min
